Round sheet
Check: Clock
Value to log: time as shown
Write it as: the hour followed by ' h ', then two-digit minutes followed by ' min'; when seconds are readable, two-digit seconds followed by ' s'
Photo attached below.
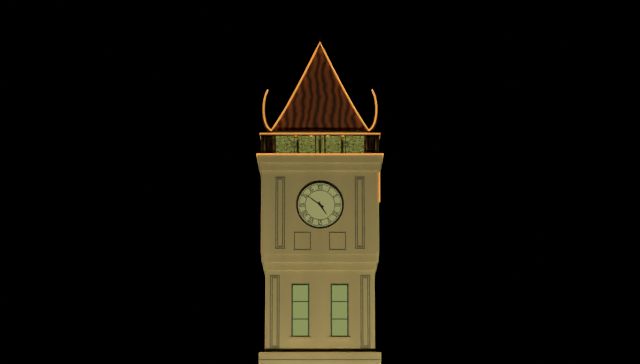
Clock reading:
4 h 51 min
